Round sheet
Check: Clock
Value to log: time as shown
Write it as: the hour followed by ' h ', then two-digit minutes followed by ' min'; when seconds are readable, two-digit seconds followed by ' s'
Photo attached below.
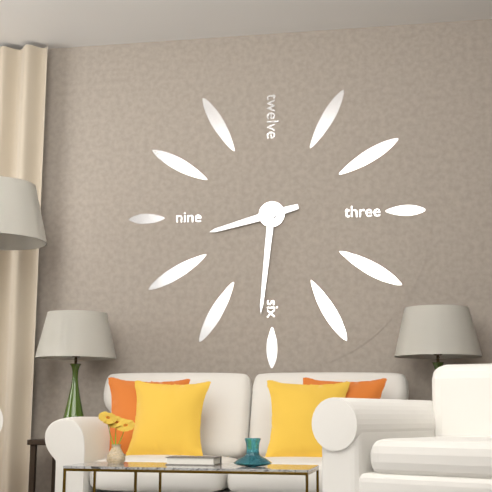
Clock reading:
8 h 31 min
